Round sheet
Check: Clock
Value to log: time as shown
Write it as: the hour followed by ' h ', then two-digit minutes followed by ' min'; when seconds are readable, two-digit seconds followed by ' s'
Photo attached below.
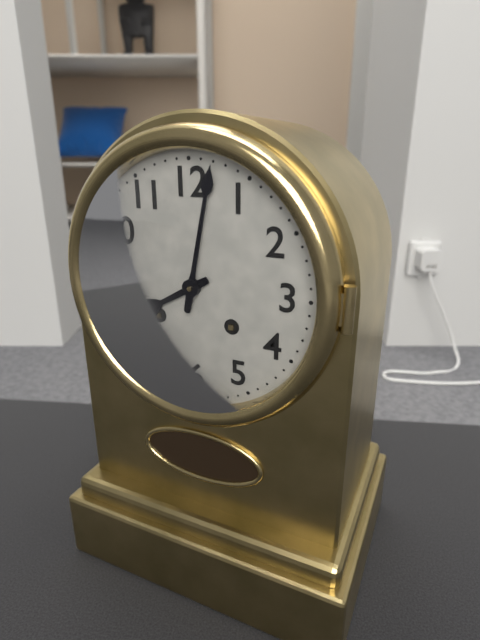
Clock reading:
8 h 02 min
